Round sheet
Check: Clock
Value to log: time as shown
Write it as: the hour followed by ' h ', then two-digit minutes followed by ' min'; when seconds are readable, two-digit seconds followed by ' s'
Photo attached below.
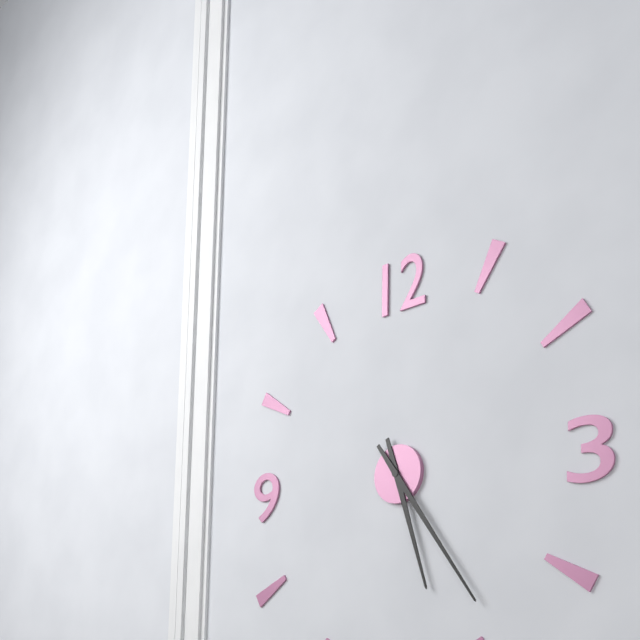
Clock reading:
5 h 24 min
